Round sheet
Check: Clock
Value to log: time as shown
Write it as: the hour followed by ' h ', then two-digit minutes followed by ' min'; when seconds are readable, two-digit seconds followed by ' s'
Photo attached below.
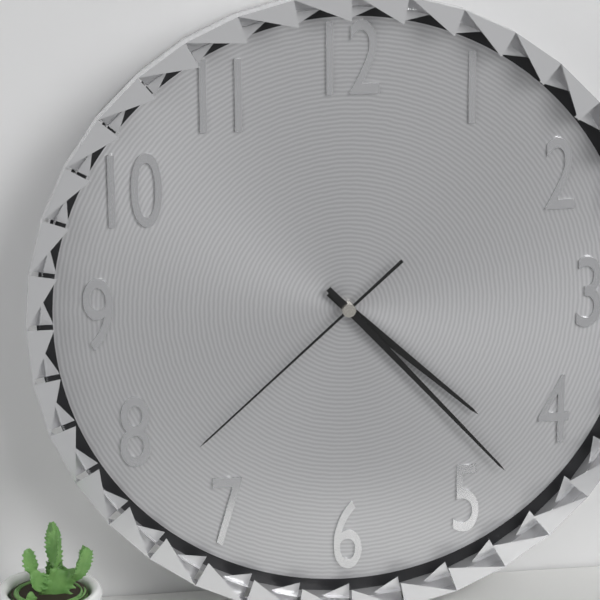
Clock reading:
4 h 23 min 38 s
